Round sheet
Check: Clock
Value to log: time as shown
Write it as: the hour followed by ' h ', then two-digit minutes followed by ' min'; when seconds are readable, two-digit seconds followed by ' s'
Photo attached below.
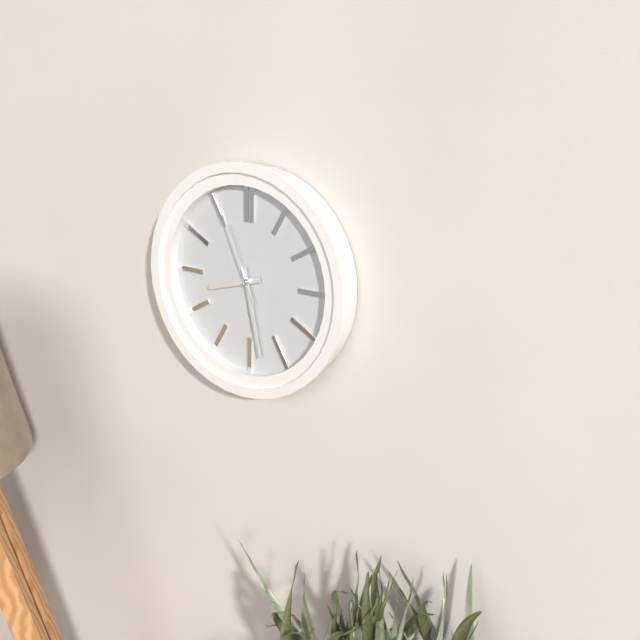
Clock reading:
8 h 28 min 56 s
